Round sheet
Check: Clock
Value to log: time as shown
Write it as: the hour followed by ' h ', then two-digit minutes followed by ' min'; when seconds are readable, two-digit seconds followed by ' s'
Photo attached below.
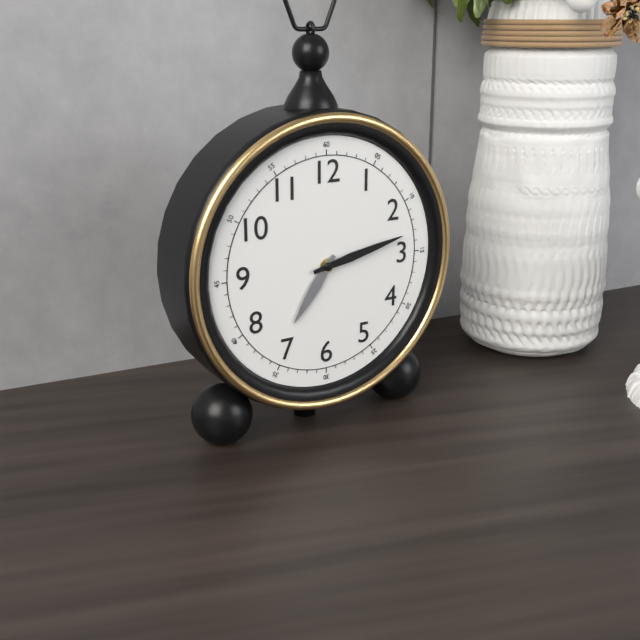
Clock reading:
7 h 13 min
